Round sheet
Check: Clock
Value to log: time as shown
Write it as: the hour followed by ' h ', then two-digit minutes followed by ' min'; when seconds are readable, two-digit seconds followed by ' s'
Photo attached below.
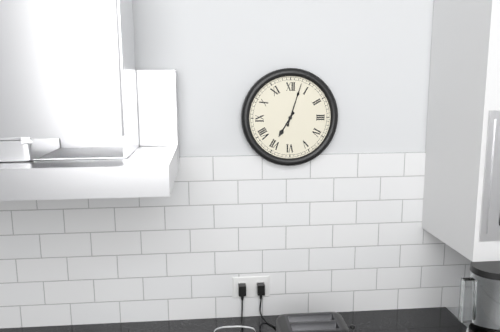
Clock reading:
7 h 03 min
